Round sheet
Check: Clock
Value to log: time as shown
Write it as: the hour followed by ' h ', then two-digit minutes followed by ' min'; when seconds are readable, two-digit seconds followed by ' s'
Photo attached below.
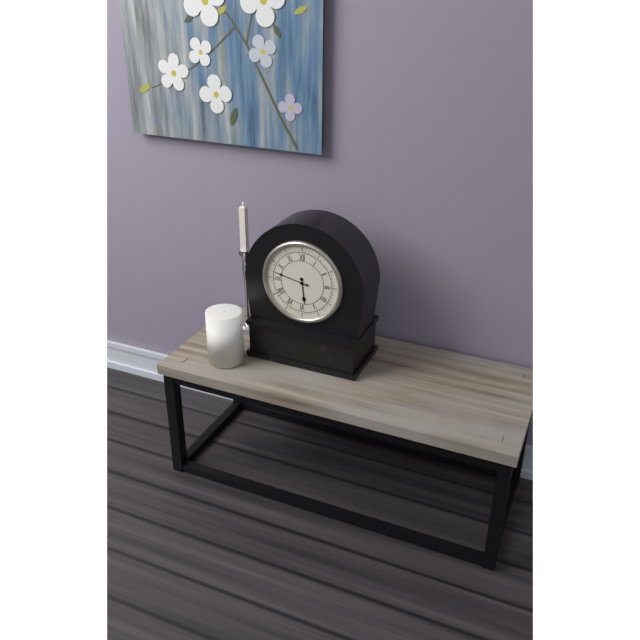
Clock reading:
5 h 47 min
